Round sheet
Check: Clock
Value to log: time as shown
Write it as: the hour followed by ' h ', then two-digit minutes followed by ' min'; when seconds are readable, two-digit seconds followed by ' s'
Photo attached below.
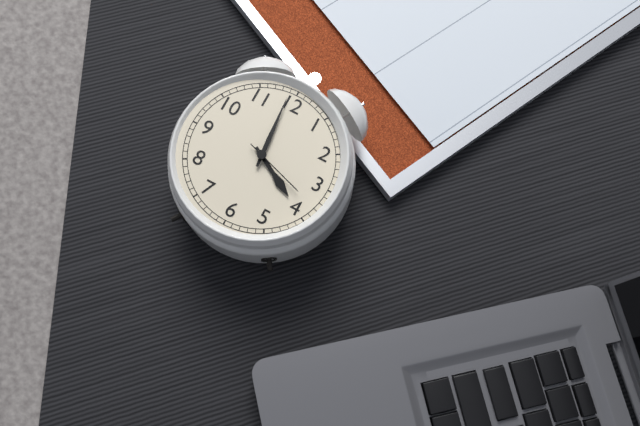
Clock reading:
3 h 59 min 18 s
